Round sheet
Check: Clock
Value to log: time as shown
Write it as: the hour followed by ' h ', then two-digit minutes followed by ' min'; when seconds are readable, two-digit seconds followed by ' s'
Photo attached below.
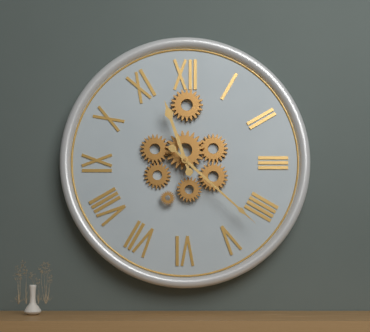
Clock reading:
11 h 22 min
